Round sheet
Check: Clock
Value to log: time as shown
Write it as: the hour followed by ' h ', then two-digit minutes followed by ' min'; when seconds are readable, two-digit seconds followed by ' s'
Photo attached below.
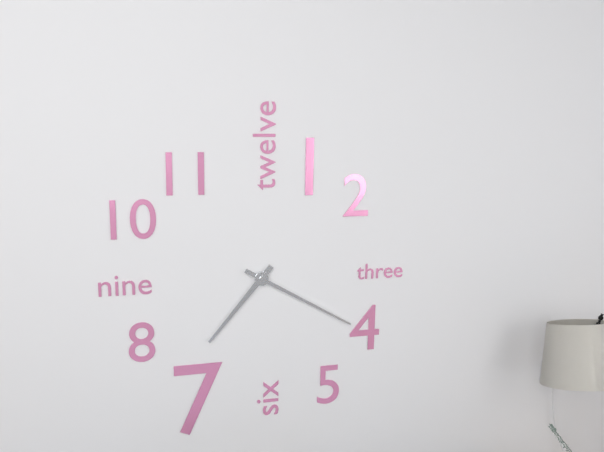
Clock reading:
7 h 20 min
